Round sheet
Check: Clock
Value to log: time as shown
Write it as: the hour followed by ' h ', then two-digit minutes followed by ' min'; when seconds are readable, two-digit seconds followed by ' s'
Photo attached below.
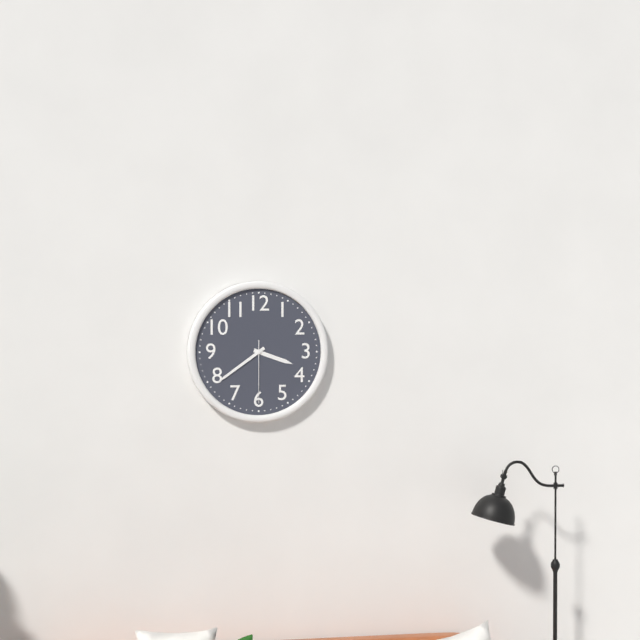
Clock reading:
3 h 39 min 30 s
